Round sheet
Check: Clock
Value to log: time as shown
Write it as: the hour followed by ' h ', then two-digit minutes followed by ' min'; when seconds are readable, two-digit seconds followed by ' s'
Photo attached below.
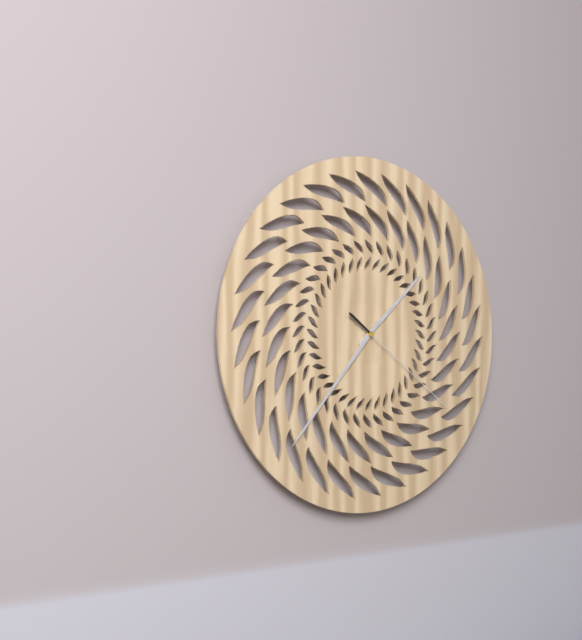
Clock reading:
1 h 37 min 21 s
